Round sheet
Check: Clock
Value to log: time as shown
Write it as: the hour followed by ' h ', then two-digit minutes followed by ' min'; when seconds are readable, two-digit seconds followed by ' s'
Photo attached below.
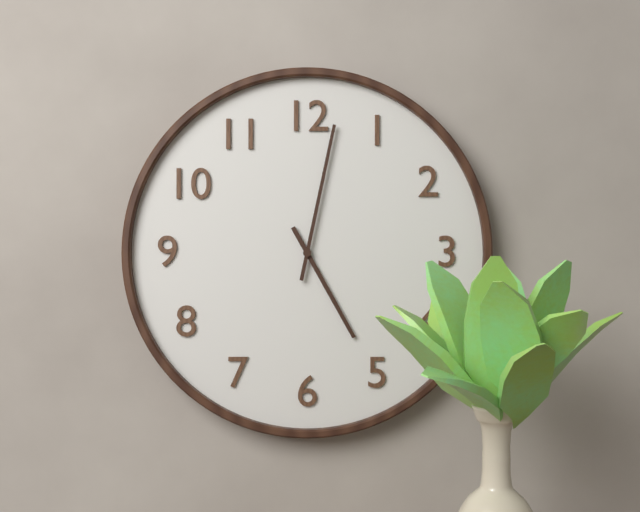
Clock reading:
5 h 02 min
